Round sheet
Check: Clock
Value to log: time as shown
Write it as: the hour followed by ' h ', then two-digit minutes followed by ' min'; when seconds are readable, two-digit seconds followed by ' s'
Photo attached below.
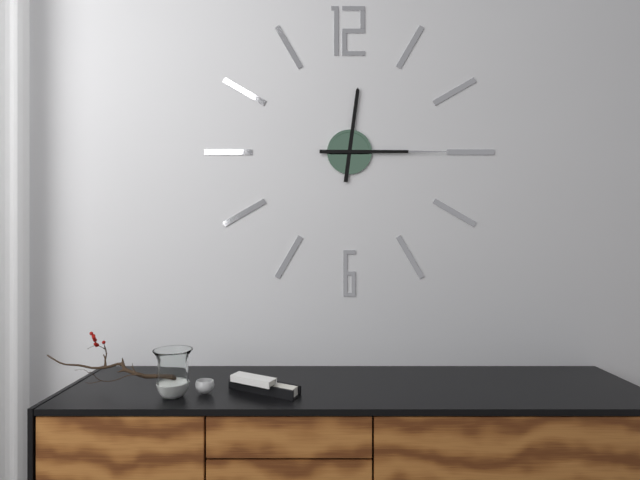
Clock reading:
12 h 15 min
